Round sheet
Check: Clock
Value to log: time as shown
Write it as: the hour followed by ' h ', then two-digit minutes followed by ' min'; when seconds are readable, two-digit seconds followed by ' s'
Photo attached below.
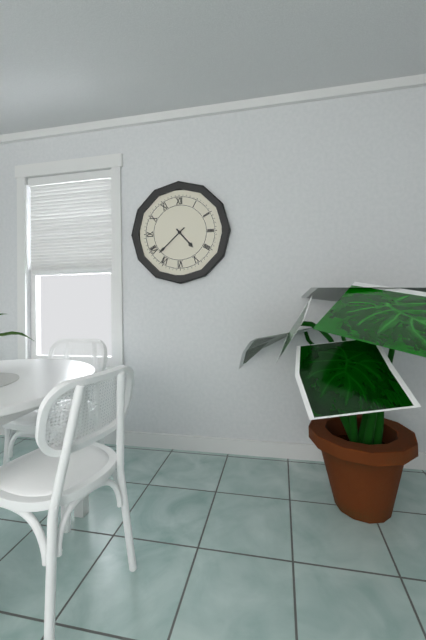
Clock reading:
4 h 38 min
